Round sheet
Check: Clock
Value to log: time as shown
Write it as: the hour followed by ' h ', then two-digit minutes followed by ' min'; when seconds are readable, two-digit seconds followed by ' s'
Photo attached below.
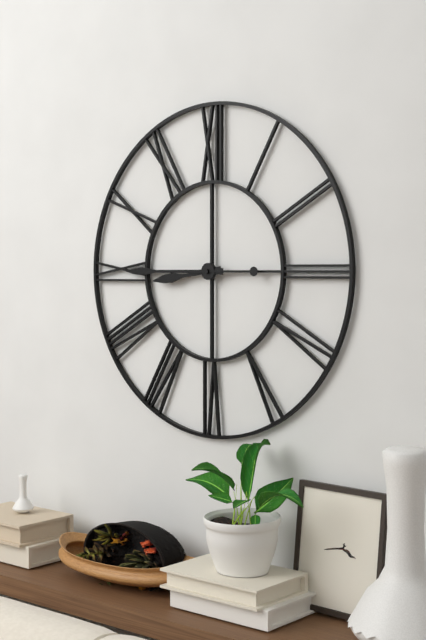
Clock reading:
8 h 45 min 15 s
